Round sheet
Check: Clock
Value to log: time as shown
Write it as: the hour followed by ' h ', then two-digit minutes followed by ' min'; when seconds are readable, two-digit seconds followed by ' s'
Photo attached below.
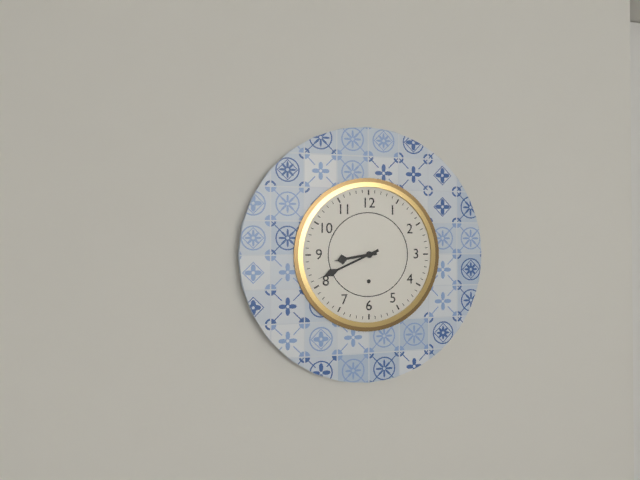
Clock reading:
8 h 41 min
